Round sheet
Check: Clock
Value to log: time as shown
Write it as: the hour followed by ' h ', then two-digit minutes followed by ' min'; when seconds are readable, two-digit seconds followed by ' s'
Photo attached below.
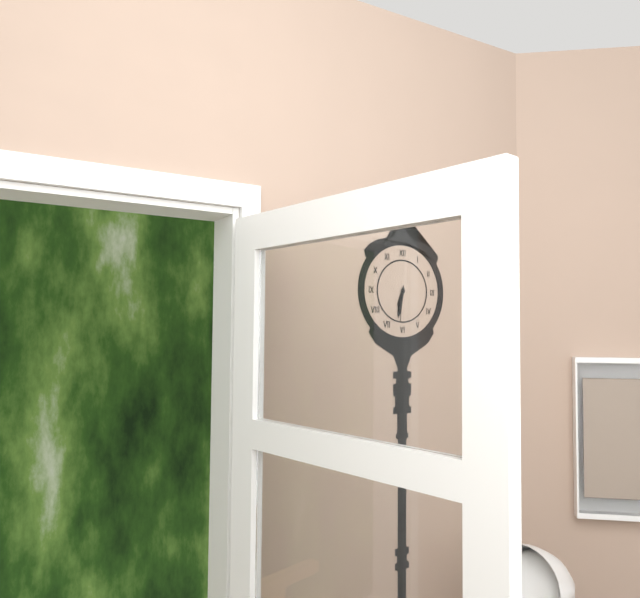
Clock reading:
6 h 32 min
